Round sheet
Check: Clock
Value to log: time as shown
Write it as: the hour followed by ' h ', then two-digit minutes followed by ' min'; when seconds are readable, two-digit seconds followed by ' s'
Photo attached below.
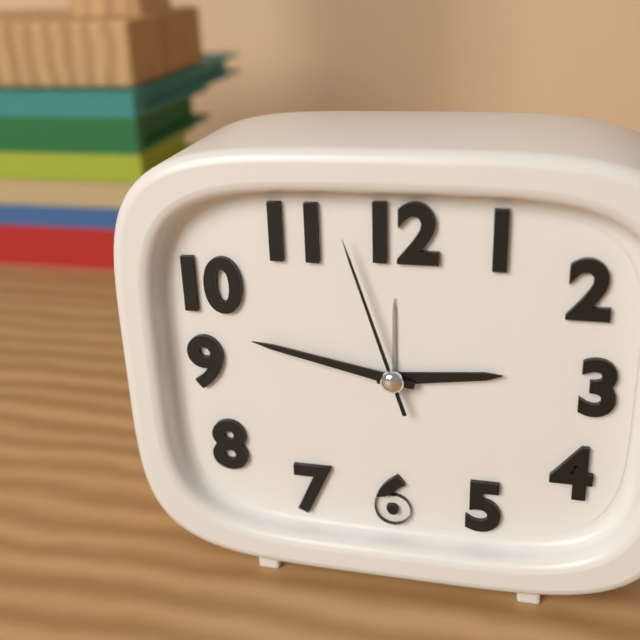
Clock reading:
2 h 47 min 57 s
